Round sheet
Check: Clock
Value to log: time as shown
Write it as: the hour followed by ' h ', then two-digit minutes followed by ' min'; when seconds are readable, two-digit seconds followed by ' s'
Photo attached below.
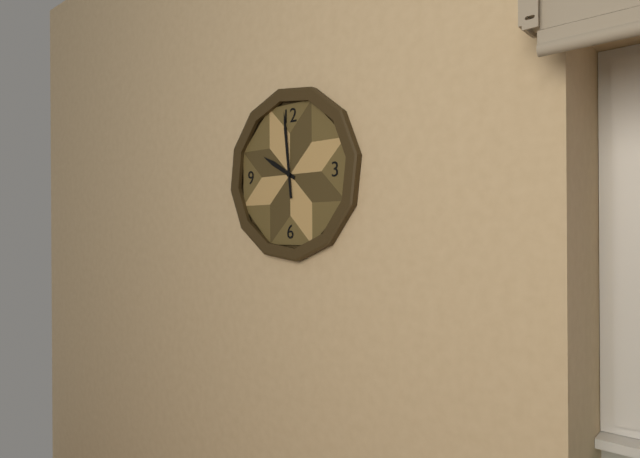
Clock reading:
9 h 59 min
